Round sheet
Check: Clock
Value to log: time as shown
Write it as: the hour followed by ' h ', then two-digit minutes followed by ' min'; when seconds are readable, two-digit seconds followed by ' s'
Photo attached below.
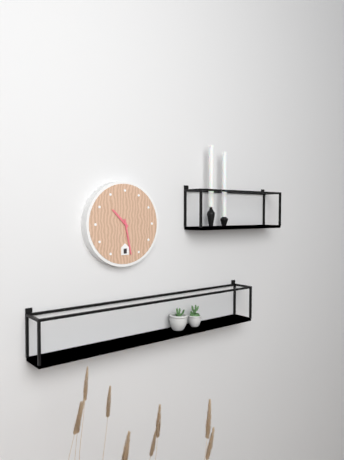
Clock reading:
10 h 28 min
